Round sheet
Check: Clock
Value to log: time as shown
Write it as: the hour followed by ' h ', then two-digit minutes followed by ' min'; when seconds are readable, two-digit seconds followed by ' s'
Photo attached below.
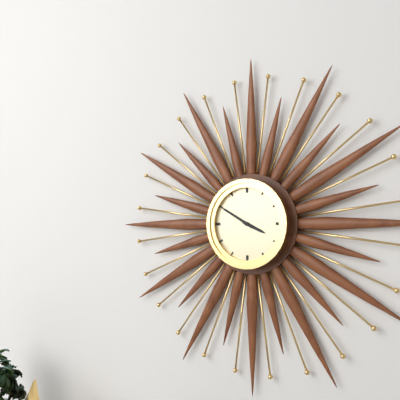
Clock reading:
3 h 50 min
